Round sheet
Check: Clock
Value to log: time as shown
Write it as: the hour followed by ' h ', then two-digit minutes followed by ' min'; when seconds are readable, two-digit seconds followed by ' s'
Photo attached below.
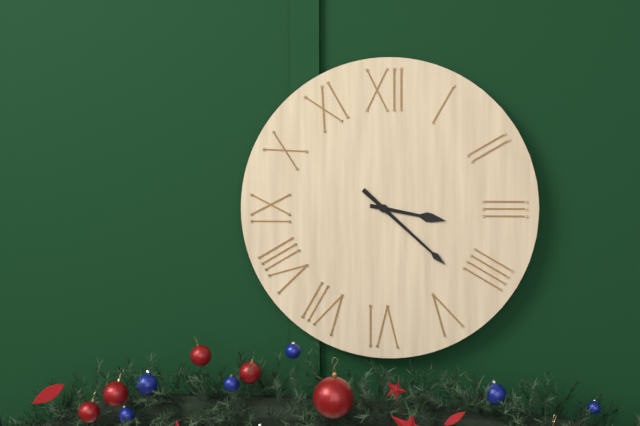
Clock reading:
3 h 22 min
